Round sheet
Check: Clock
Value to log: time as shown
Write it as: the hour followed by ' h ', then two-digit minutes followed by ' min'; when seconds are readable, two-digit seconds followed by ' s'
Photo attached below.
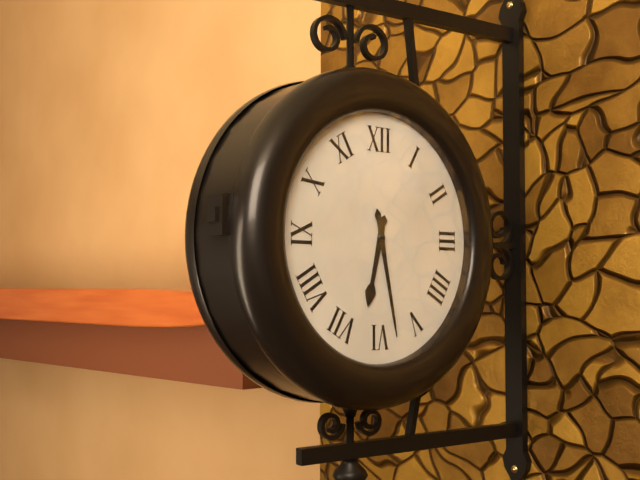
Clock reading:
6 h 28 min
